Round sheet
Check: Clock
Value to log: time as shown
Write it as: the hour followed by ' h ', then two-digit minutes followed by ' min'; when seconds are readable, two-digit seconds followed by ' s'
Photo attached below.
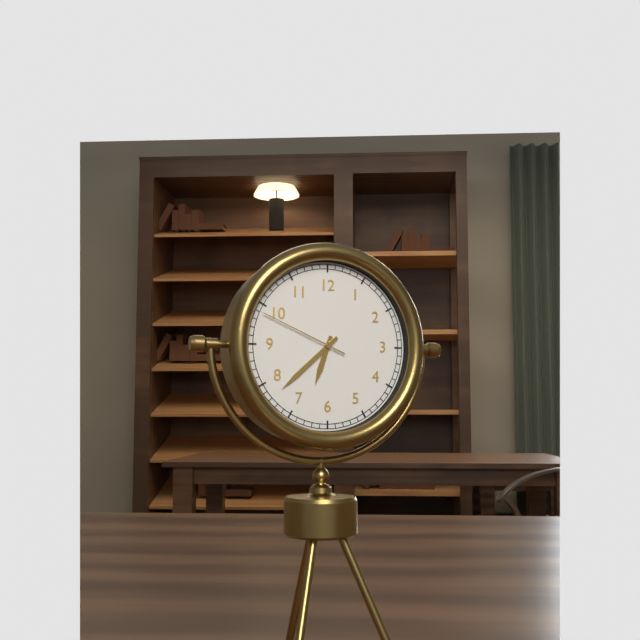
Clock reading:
6 h 38 min 49 s
